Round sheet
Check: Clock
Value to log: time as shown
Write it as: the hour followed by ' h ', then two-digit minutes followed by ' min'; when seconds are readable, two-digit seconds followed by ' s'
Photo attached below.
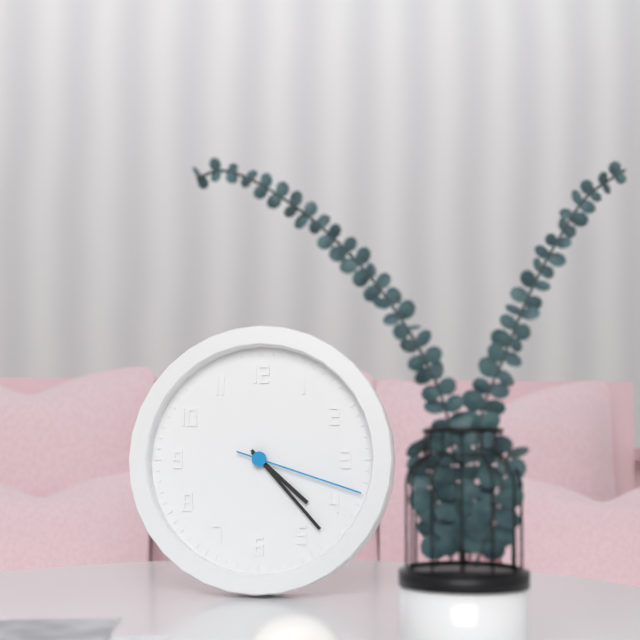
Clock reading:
4 h 23 min 18 s
